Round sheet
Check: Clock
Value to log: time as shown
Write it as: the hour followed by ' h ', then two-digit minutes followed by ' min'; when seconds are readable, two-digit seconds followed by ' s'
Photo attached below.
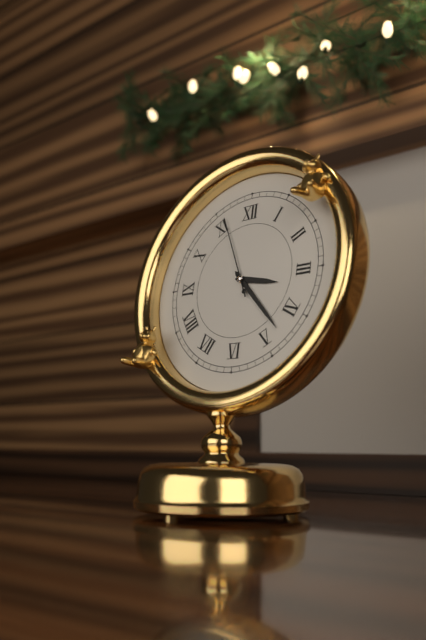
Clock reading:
3 h 23 min 56 s
